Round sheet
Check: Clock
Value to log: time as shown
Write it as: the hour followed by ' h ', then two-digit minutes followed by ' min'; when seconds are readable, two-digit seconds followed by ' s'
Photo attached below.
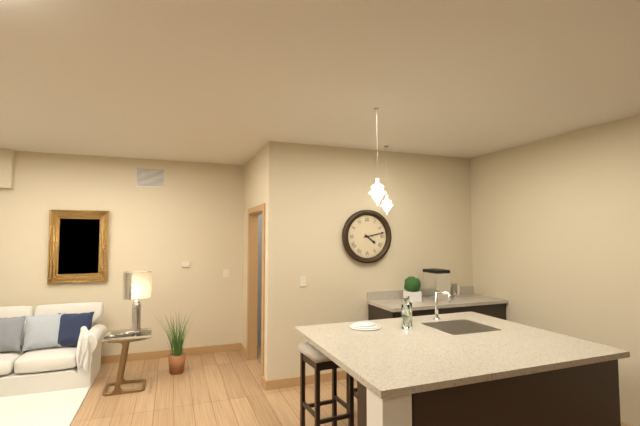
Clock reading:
4 h 13 min
